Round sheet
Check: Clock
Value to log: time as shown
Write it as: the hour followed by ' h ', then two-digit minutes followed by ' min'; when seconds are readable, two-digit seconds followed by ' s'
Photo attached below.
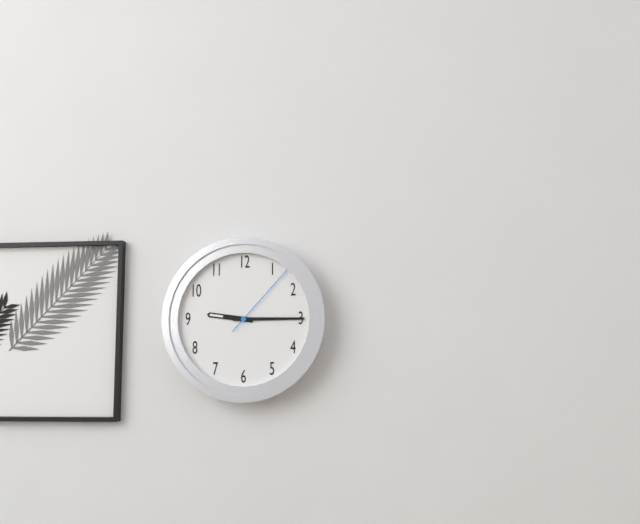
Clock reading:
9 h 15 min 07 s
